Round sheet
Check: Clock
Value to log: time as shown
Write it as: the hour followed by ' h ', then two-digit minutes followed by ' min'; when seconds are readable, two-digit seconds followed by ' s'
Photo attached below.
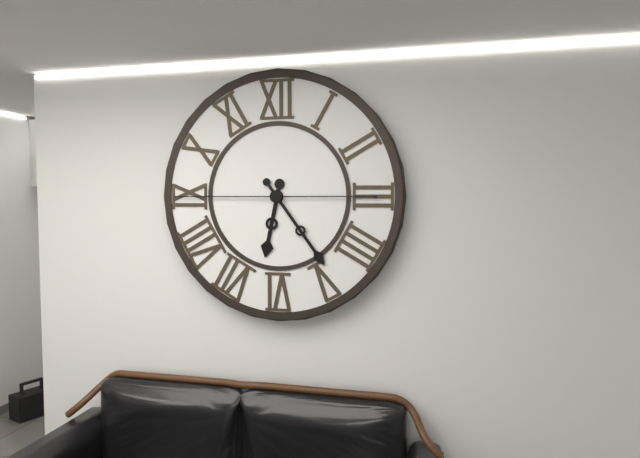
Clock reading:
6 h 24 min 45 s
